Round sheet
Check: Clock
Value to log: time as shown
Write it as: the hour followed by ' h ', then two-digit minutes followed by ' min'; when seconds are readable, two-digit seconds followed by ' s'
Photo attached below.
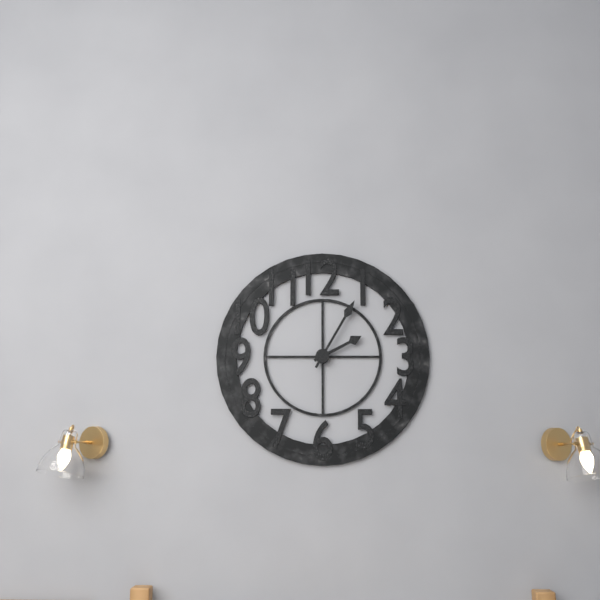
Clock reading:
2 h 05 min
